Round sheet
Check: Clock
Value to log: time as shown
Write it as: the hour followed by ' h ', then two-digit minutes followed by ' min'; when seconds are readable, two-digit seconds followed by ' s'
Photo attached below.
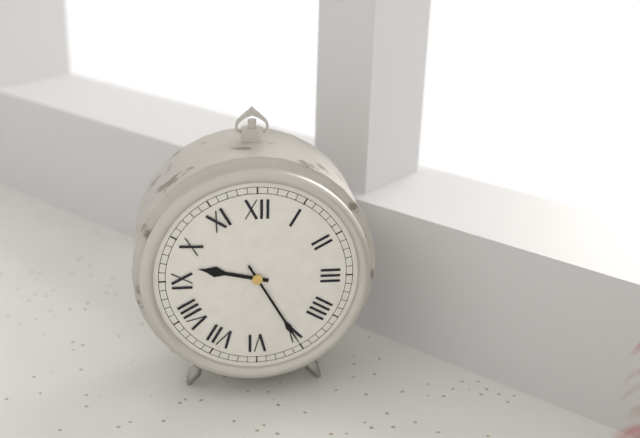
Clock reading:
9 h 25 min
